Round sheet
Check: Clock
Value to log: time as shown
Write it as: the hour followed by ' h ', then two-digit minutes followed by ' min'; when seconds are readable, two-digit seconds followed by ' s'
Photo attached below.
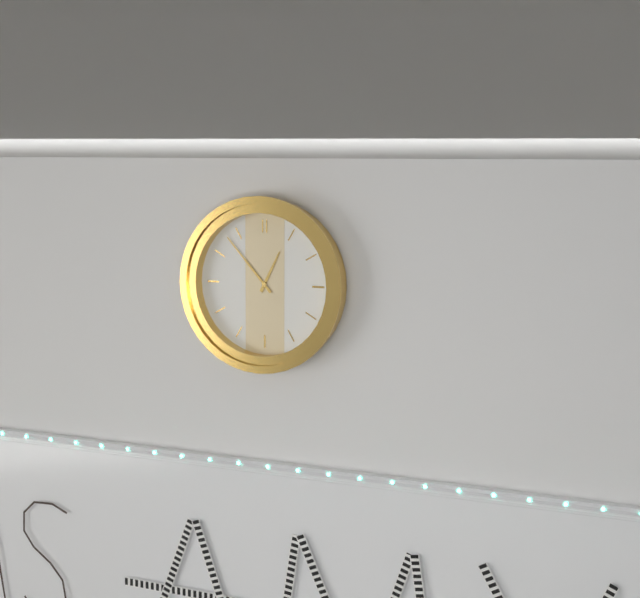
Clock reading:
12 h 53 min
